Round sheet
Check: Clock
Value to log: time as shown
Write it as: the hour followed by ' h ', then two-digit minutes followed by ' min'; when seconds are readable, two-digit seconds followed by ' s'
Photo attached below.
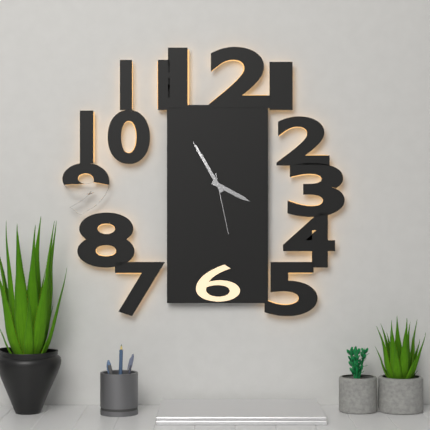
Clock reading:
3 h 55 min 28 s
